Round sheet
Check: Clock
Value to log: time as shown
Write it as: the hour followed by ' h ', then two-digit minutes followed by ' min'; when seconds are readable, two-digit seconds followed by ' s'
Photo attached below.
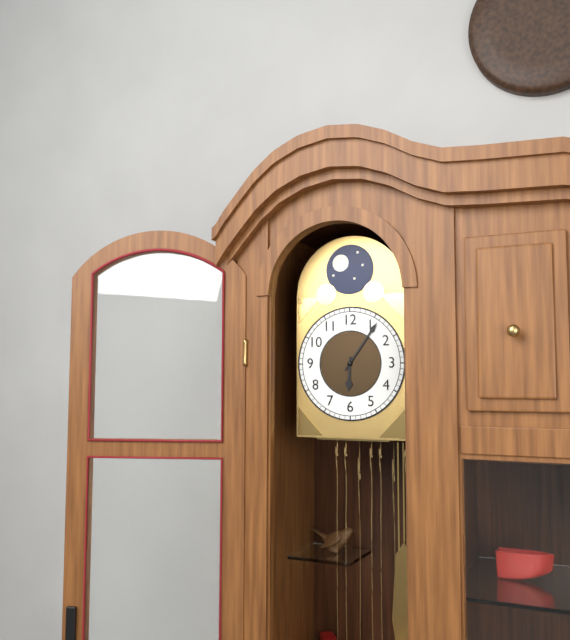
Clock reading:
6 h 06 min
